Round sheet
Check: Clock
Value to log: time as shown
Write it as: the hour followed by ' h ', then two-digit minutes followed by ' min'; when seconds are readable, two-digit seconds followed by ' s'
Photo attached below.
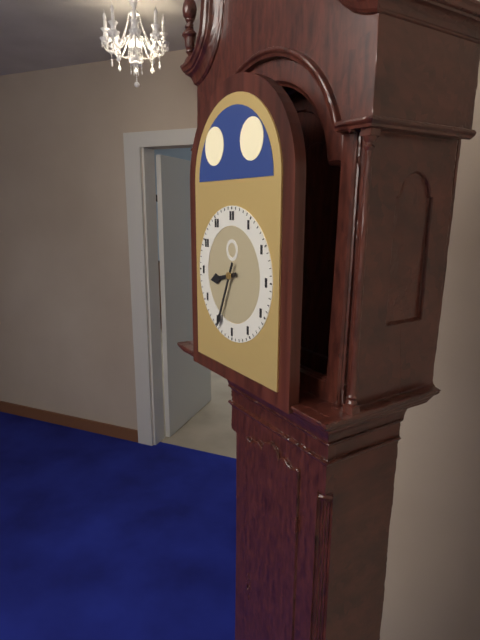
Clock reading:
8 h 34 min
